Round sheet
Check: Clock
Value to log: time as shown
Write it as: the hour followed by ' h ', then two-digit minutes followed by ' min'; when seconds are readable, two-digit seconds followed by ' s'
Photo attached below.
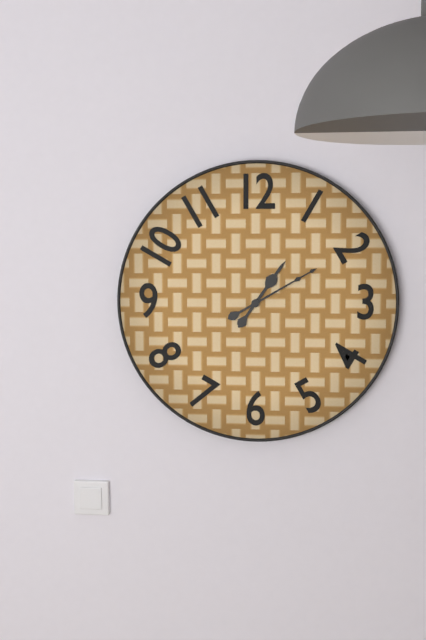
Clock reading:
1 h 10 min
